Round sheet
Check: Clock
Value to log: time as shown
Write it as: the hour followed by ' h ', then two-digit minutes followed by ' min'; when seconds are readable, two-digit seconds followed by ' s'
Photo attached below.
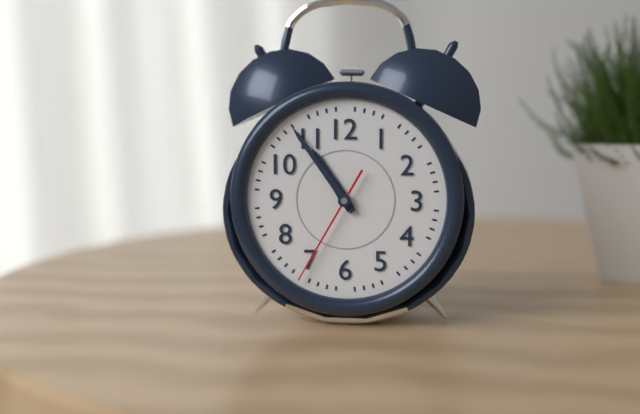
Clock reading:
10 h 54 min 35 s
